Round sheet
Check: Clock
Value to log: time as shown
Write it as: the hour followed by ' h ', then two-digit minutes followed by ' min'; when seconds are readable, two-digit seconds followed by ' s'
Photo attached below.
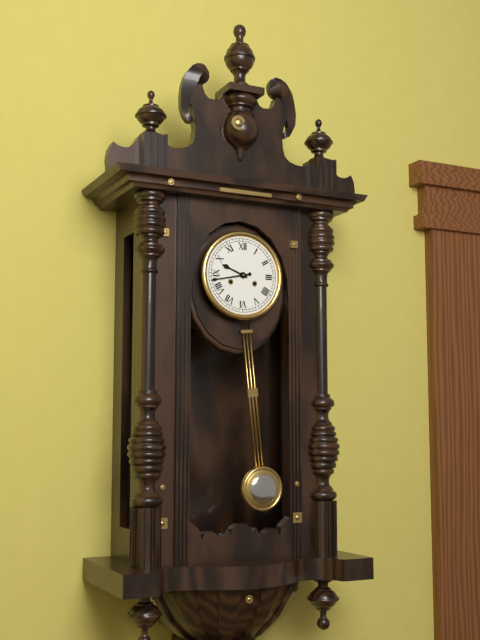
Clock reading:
9 h 43 min
